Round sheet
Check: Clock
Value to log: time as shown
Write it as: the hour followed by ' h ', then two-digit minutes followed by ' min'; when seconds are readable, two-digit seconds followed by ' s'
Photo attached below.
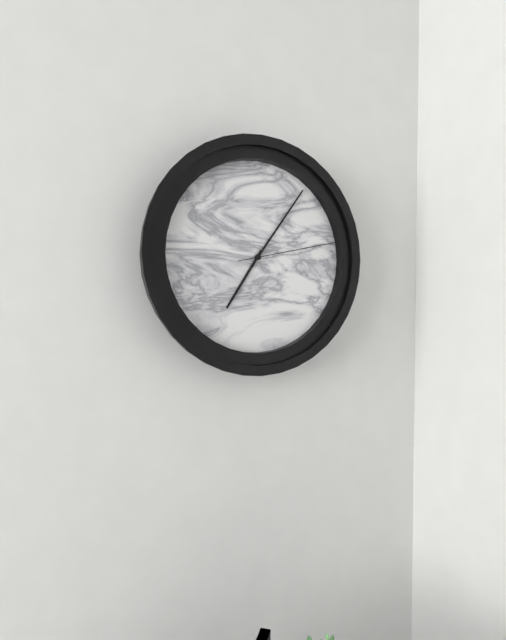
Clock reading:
7 h 06 min 13 s
